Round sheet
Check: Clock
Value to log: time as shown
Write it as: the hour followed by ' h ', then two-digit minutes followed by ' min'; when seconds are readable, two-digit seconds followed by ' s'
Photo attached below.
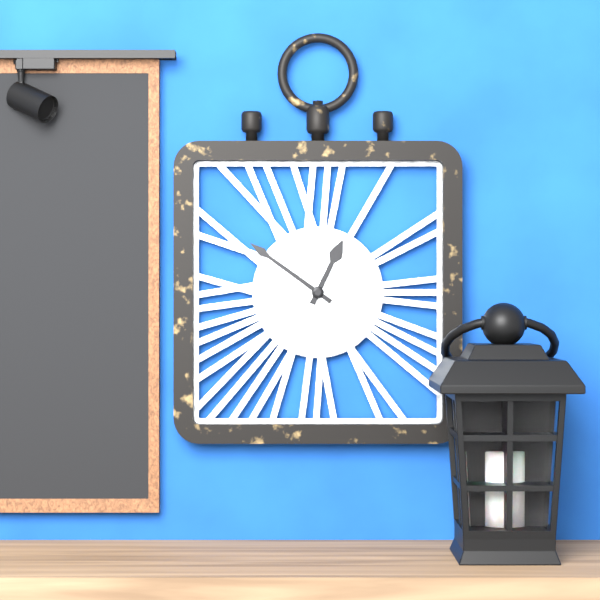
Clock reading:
12 h 51 min
